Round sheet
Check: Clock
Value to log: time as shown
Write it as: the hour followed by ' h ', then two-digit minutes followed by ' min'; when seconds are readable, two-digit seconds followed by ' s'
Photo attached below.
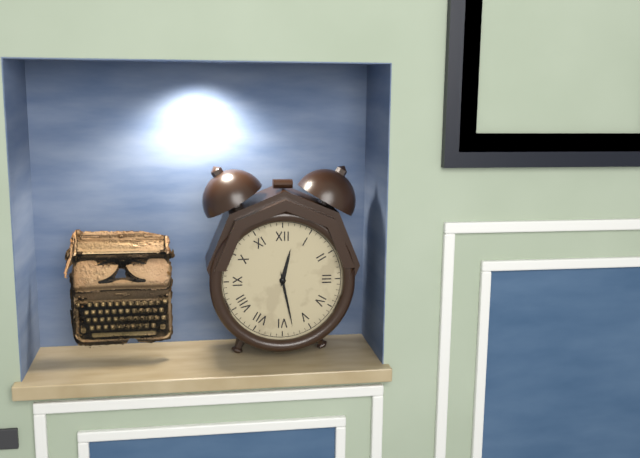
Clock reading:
12 h 28 min
